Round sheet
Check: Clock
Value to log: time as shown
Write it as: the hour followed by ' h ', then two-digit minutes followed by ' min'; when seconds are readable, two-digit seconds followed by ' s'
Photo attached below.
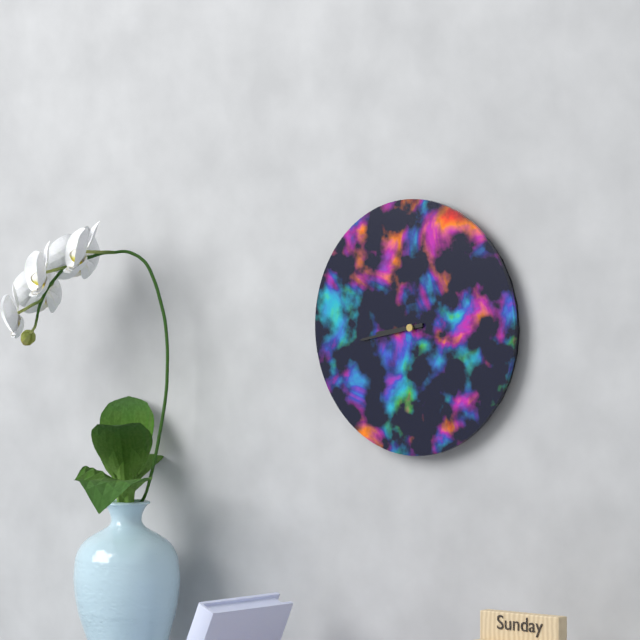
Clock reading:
8 h 43 min
